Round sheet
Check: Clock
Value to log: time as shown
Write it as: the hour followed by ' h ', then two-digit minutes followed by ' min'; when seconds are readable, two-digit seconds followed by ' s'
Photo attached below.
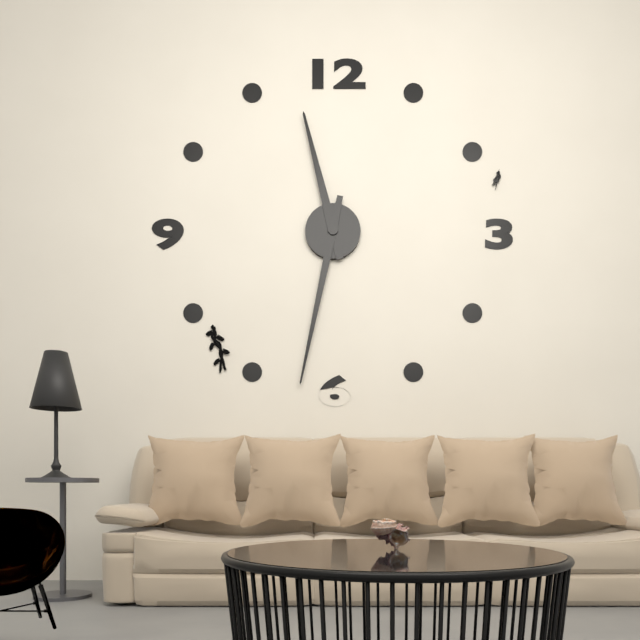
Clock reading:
11 h 32 min
